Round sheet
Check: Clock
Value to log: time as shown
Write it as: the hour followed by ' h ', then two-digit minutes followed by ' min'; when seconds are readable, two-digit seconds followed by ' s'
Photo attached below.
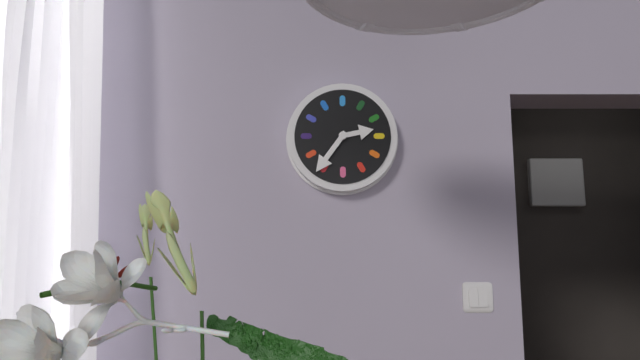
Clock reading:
2 h 36 min
